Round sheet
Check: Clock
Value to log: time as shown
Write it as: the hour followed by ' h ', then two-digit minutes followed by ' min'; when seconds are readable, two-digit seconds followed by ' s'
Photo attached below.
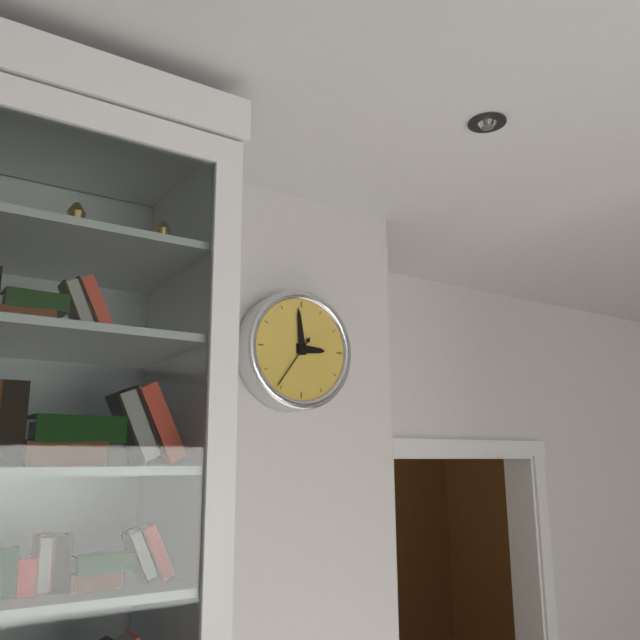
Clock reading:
2 h 59 min 36 s
